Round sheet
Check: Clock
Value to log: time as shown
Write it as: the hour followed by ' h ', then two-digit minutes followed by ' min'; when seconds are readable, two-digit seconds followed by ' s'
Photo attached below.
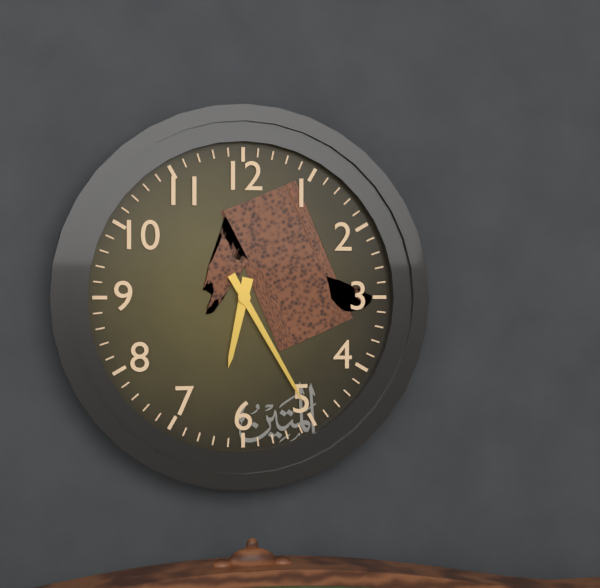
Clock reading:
6 h 25 min
